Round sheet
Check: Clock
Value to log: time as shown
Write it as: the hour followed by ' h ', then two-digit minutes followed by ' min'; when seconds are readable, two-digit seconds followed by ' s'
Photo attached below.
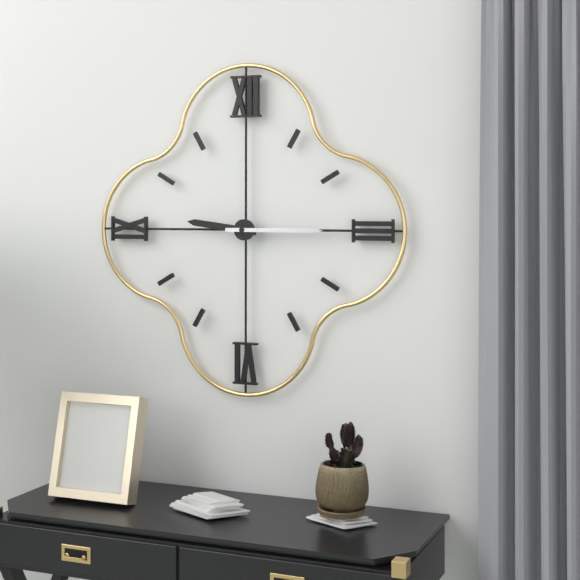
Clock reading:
9 h 15 min
